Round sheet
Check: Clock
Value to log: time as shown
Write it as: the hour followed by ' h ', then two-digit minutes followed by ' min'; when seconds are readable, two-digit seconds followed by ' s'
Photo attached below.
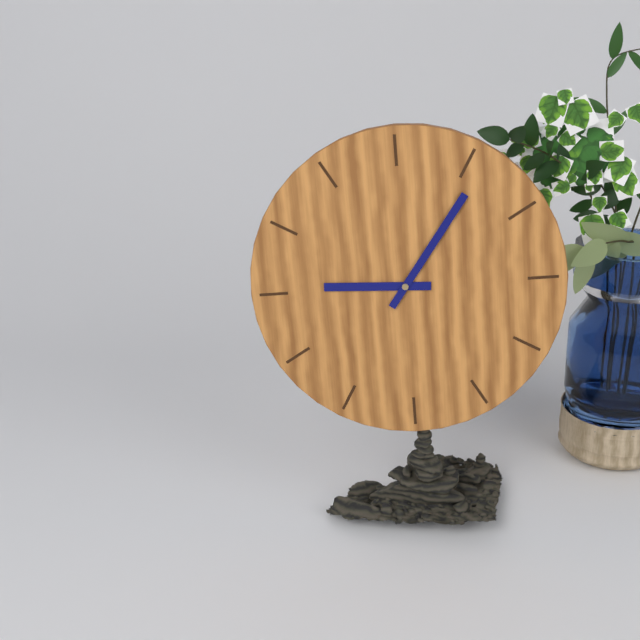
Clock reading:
9 h 06 min
